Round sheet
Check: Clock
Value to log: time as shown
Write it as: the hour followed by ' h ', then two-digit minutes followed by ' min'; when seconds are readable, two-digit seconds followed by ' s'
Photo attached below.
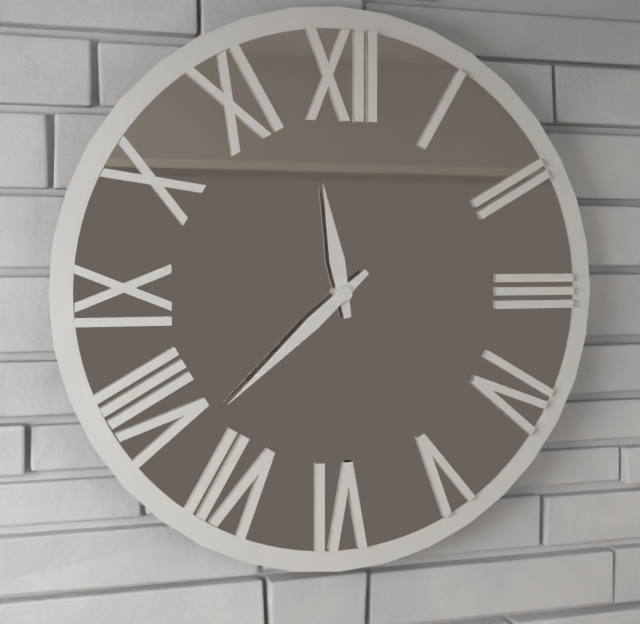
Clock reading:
11 h 38 min
